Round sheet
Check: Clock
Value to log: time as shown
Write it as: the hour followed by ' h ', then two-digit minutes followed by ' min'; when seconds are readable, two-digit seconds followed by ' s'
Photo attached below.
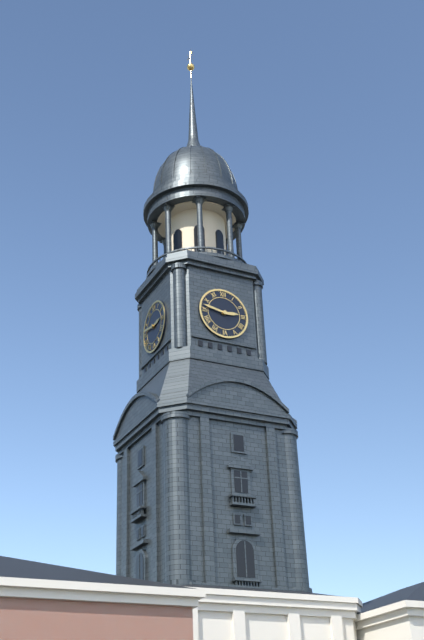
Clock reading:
2 h 47 min
